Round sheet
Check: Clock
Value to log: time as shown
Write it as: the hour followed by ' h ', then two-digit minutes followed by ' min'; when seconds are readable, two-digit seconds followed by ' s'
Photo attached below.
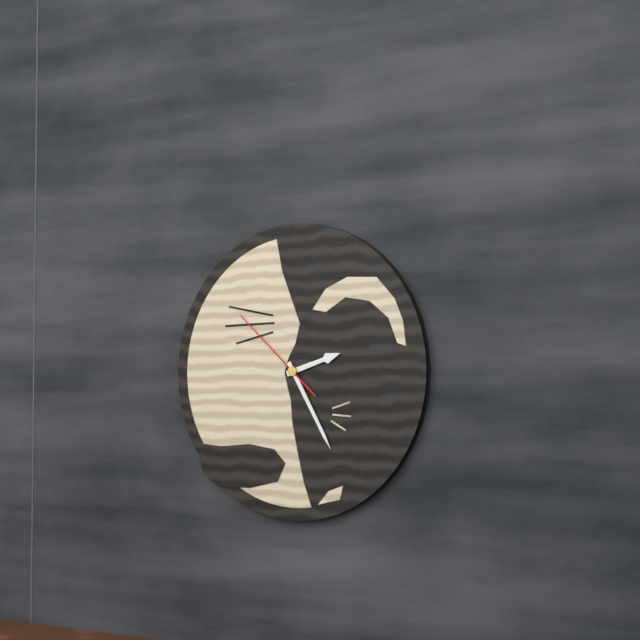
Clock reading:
2 h 25 min 52 s
